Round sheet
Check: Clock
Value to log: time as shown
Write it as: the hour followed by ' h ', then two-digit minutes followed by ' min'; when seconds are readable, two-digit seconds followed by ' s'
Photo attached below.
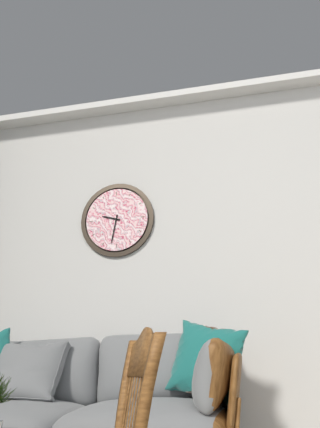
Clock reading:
9 h 32 min
